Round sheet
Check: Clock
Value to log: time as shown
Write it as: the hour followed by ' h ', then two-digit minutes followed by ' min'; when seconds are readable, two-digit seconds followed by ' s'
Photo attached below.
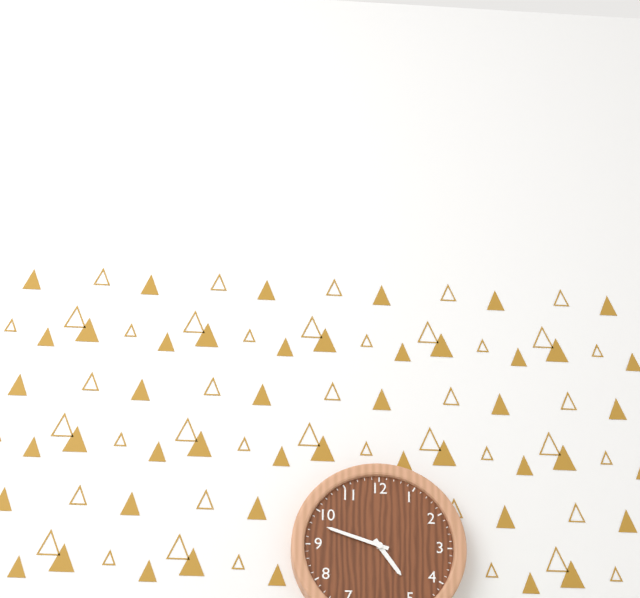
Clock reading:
4 h 48 min
